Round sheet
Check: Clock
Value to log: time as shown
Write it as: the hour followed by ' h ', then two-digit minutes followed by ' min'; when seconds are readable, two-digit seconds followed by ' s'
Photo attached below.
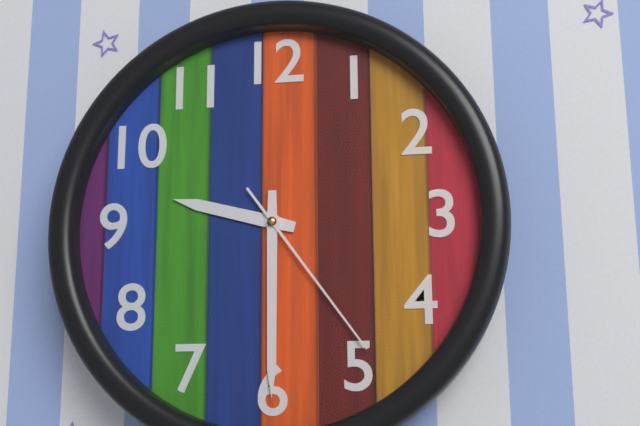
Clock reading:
9 h 30 min 24 s
